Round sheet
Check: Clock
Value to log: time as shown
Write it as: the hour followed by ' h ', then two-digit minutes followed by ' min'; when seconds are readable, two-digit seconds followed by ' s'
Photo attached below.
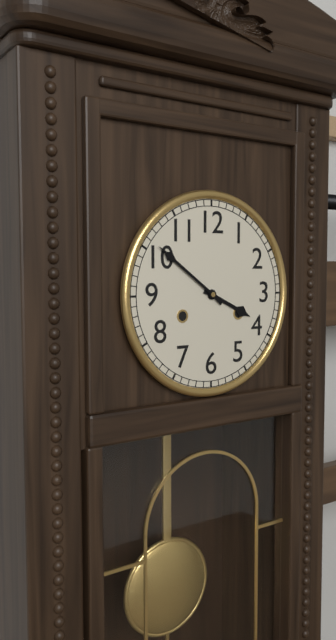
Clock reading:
3 h 51 min
